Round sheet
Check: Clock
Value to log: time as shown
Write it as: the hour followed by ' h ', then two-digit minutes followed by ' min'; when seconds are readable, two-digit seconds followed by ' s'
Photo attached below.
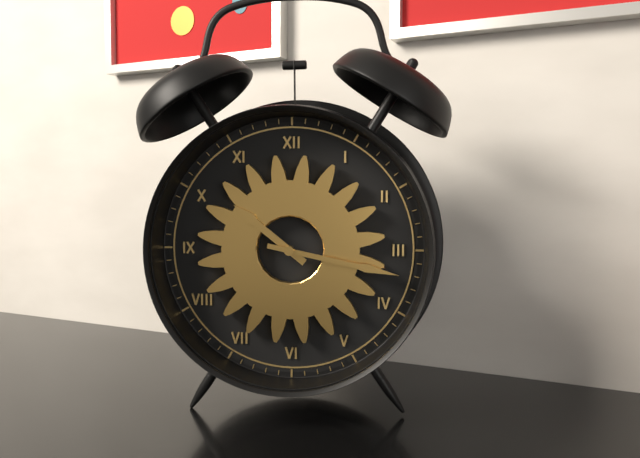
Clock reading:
10 h 17 min
